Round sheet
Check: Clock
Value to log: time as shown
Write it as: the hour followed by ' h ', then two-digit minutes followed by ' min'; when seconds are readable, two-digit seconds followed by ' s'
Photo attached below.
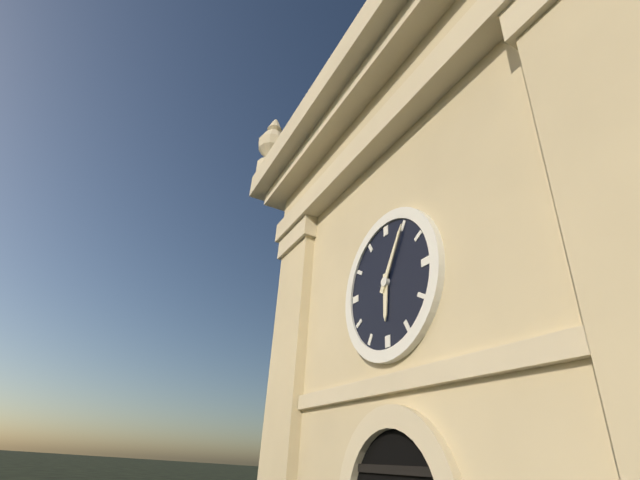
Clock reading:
6 h 05 min
